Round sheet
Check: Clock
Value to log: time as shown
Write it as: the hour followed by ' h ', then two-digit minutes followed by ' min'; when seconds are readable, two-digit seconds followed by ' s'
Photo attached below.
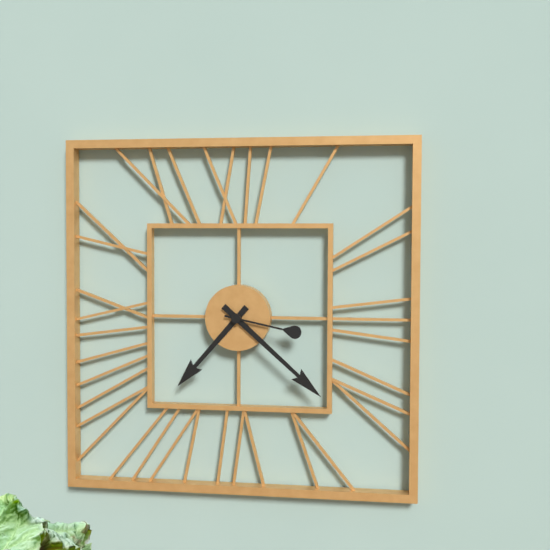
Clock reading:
7 h 22 min 17 s
